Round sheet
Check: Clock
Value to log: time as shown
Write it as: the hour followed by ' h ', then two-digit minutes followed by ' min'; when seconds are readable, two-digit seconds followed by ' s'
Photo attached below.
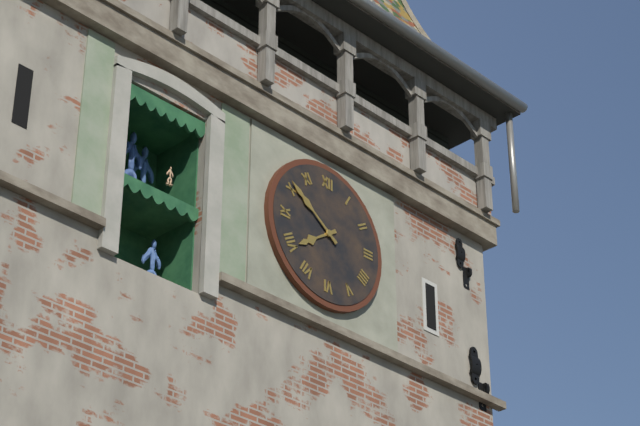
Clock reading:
7 h 51 min
